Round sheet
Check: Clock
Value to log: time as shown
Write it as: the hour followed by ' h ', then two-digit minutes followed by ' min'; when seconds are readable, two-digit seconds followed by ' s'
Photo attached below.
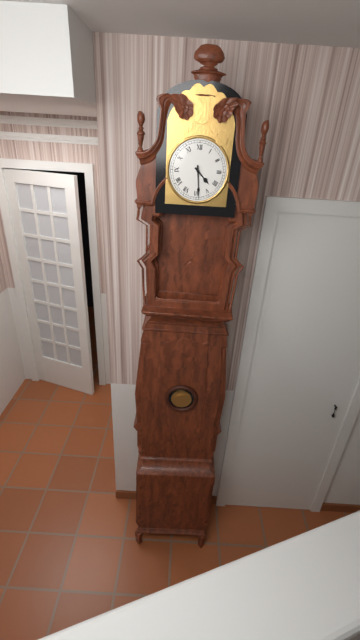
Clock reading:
4 h 29 min
